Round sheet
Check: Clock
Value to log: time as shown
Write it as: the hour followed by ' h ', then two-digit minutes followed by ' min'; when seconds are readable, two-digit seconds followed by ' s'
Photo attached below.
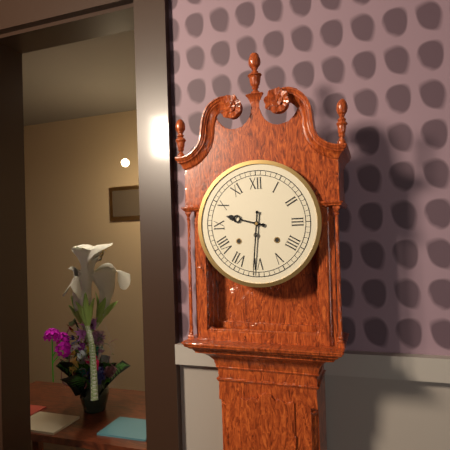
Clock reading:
9 h 31 min
